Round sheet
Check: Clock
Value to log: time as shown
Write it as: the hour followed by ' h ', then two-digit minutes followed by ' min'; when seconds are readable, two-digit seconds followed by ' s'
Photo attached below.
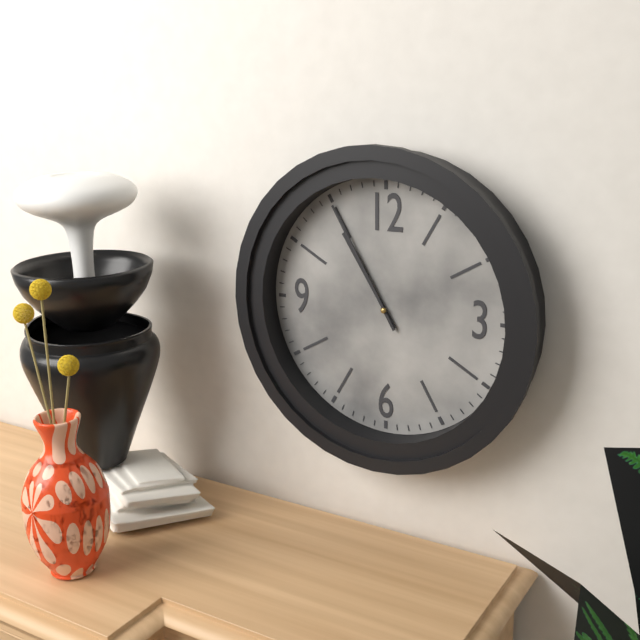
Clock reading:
10 h 55 min
